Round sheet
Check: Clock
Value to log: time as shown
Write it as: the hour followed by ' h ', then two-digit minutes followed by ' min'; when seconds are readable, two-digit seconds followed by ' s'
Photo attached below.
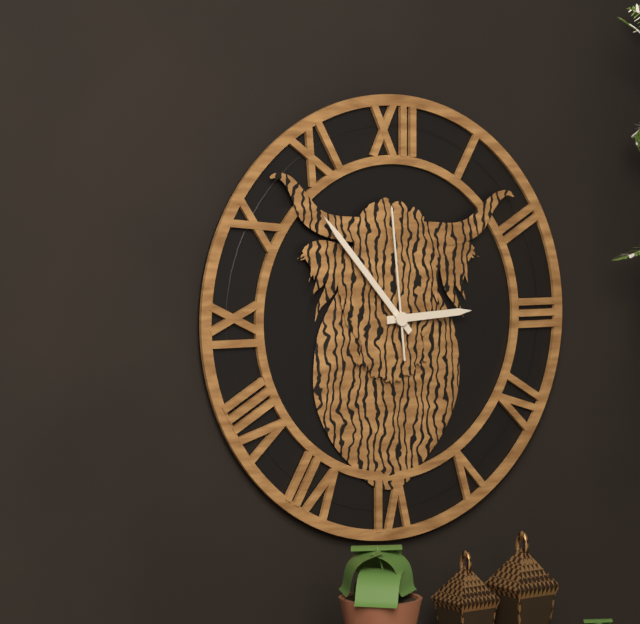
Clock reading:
2 h 53 min 59 s
